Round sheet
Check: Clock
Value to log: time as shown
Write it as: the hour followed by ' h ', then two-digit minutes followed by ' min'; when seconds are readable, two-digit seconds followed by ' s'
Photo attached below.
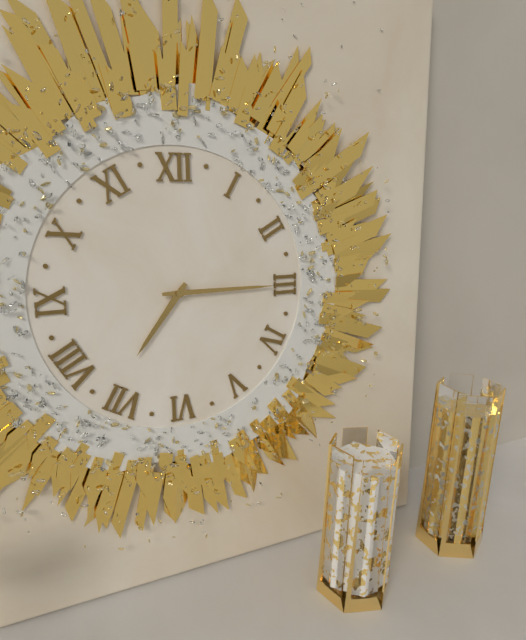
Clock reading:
7 h 15 min
